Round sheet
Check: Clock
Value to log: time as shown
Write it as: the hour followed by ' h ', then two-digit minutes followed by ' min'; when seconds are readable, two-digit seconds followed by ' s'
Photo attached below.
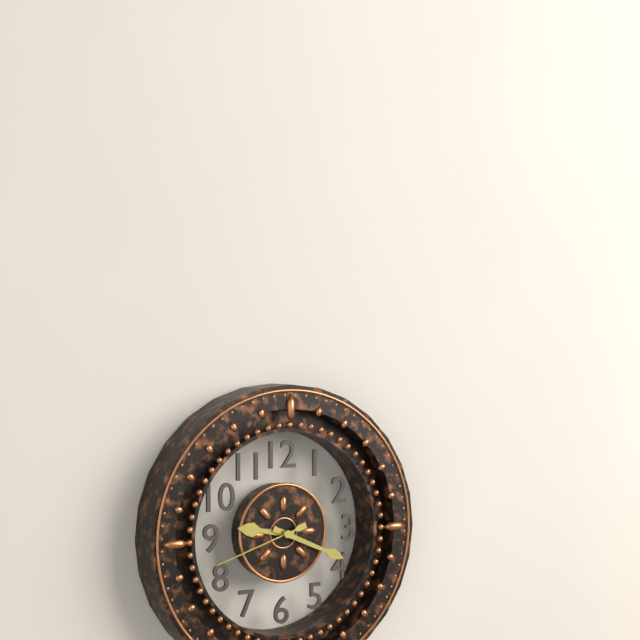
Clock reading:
9 h 19 min 42 s
